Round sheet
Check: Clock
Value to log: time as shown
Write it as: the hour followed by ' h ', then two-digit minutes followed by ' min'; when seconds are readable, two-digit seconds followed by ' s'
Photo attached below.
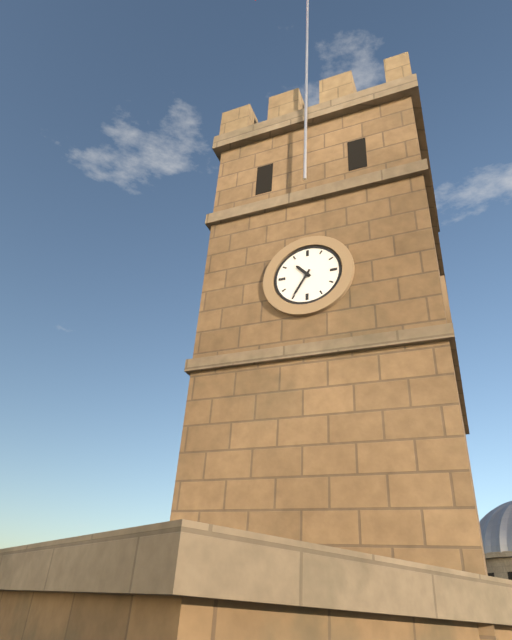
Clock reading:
10 h 35 min
